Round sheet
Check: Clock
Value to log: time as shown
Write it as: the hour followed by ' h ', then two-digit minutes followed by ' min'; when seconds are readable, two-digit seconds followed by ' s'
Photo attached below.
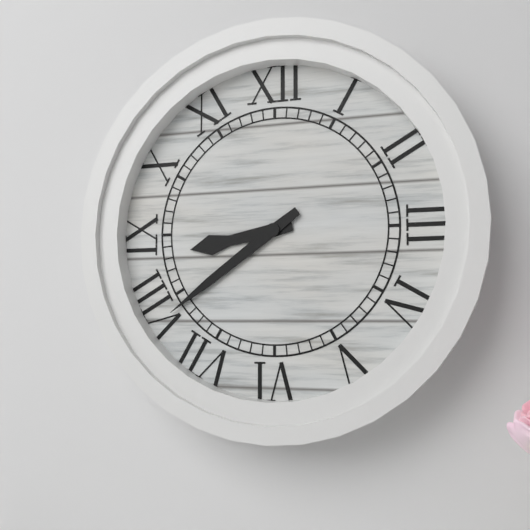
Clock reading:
8 h 39 min
